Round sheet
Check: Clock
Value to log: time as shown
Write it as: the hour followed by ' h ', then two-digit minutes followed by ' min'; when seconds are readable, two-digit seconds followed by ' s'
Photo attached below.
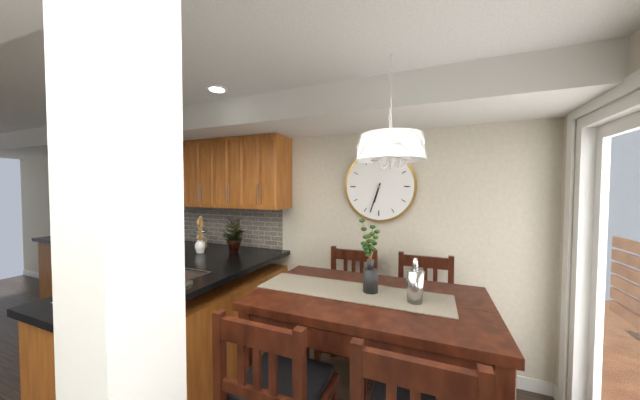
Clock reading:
6 h 33 min
